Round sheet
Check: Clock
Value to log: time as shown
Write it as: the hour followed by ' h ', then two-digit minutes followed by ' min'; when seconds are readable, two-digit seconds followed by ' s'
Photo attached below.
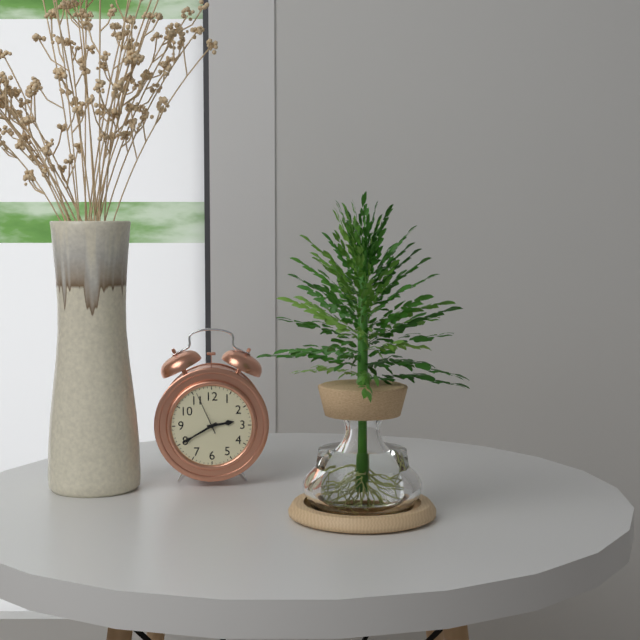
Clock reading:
2 h 40 min
